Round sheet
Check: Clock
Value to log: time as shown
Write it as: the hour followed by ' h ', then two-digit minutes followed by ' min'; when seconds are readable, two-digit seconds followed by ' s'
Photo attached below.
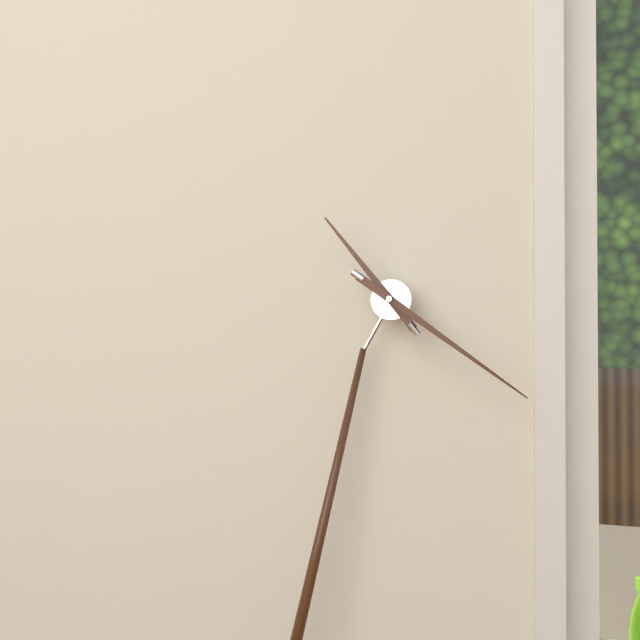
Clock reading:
10 h 19 min
